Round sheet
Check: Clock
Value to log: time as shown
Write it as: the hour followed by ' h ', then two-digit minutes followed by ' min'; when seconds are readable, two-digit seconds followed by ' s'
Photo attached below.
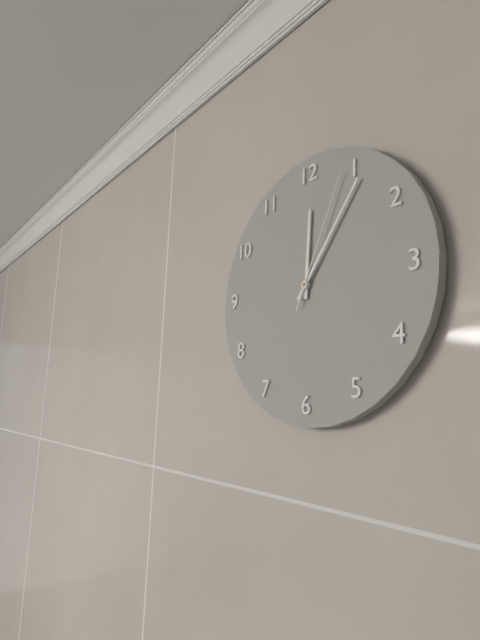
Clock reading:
12 h 06 min 04 s
